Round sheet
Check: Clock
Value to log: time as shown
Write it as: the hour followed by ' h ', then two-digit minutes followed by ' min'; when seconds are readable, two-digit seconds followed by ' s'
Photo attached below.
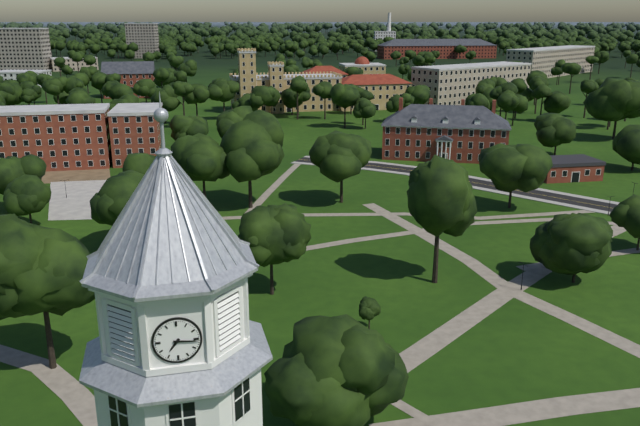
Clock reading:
7 h 16 min
